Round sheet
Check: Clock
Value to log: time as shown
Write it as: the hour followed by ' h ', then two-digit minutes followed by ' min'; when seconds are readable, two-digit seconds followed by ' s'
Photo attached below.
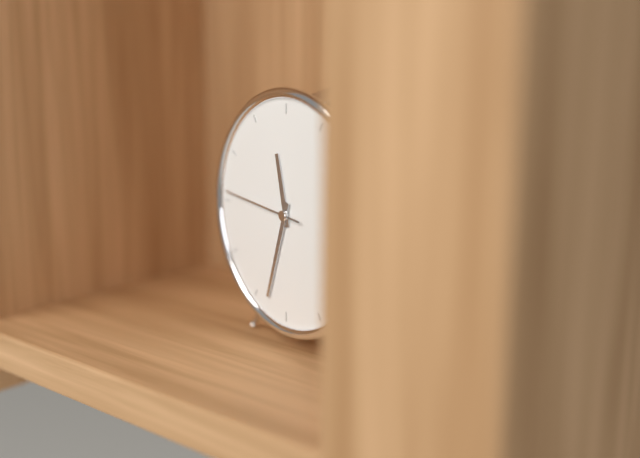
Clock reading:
11 h 33 min 46 s
